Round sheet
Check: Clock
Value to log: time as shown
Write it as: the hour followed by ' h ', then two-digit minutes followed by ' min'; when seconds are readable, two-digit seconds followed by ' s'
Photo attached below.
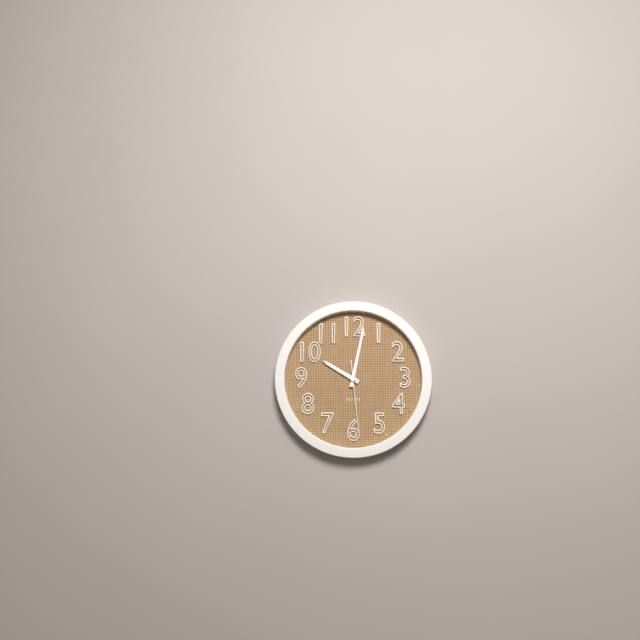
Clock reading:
10 h 02 min 29 s
